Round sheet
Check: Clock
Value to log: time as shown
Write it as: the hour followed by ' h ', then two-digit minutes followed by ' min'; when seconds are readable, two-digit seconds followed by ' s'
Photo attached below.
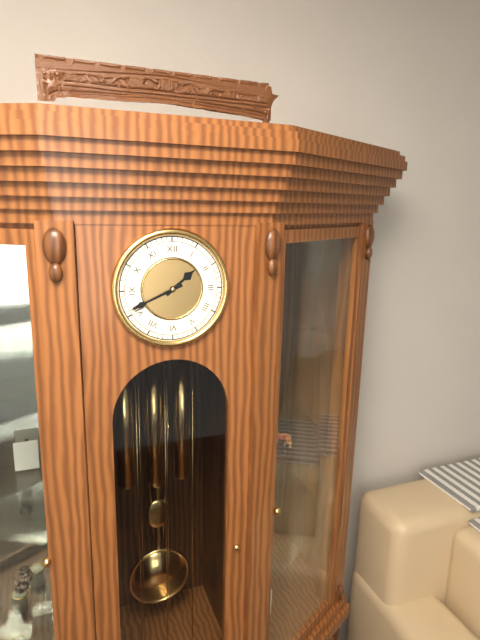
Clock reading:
1 h 41 min
